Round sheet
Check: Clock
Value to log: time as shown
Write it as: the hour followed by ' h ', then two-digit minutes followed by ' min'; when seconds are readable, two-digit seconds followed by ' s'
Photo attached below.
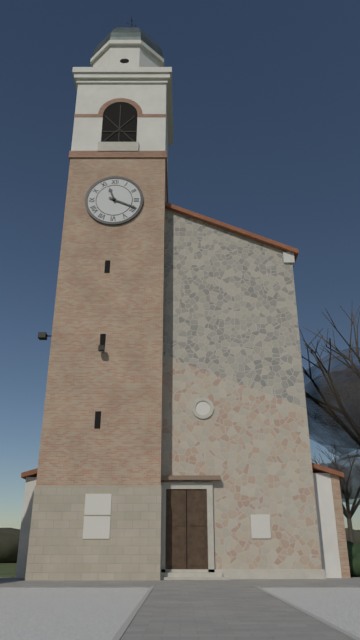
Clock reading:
11 h 19 min
